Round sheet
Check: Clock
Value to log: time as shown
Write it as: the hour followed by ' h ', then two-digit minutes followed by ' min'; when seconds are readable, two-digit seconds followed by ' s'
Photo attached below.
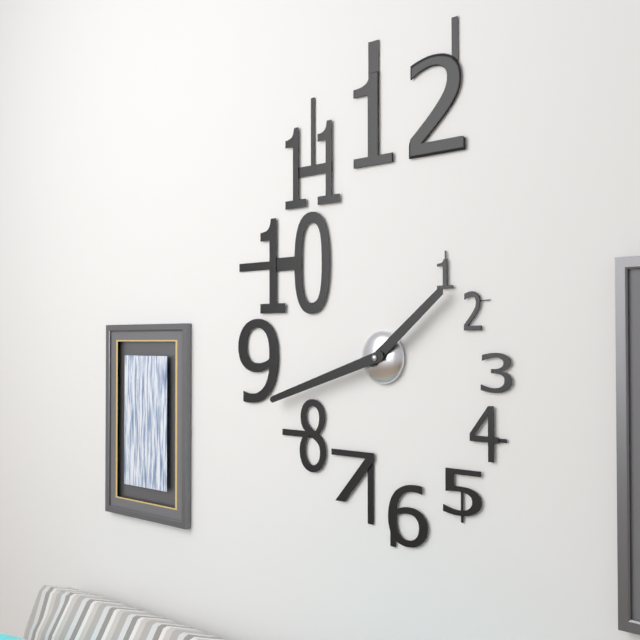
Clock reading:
1 h 42 min
